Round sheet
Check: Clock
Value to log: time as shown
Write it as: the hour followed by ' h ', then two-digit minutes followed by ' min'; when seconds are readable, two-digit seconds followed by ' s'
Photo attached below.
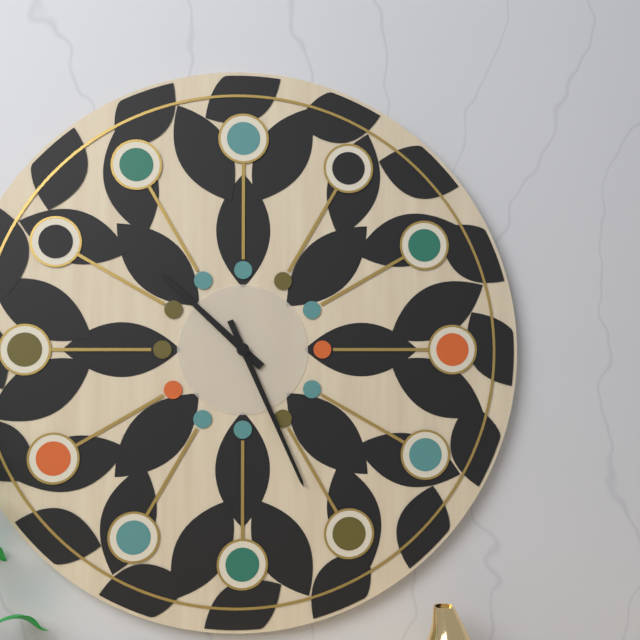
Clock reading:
10 h 26 min
